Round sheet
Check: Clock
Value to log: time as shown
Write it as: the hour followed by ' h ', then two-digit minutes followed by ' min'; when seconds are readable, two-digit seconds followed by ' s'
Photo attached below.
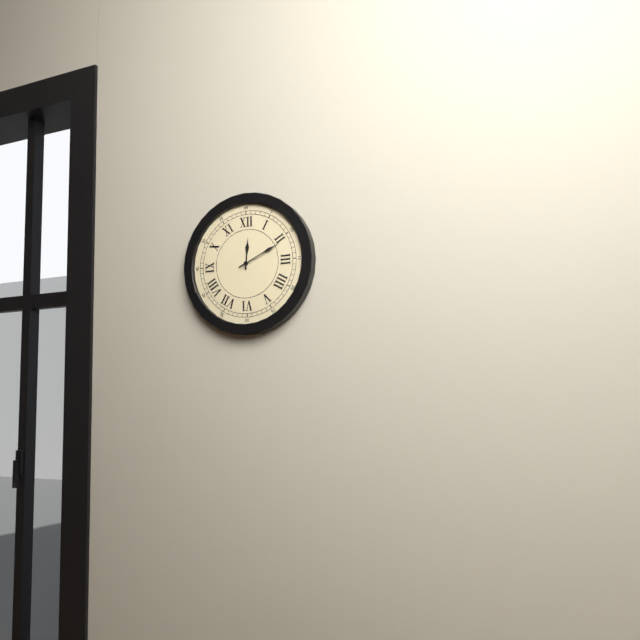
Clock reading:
12 h 11 min
